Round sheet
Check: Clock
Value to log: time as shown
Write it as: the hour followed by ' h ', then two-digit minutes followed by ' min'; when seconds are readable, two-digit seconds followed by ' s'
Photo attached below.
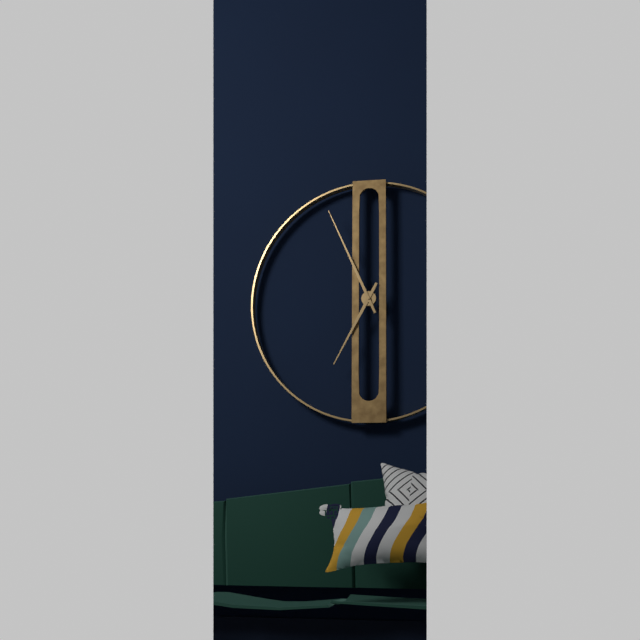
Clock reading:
6 h 56 min
